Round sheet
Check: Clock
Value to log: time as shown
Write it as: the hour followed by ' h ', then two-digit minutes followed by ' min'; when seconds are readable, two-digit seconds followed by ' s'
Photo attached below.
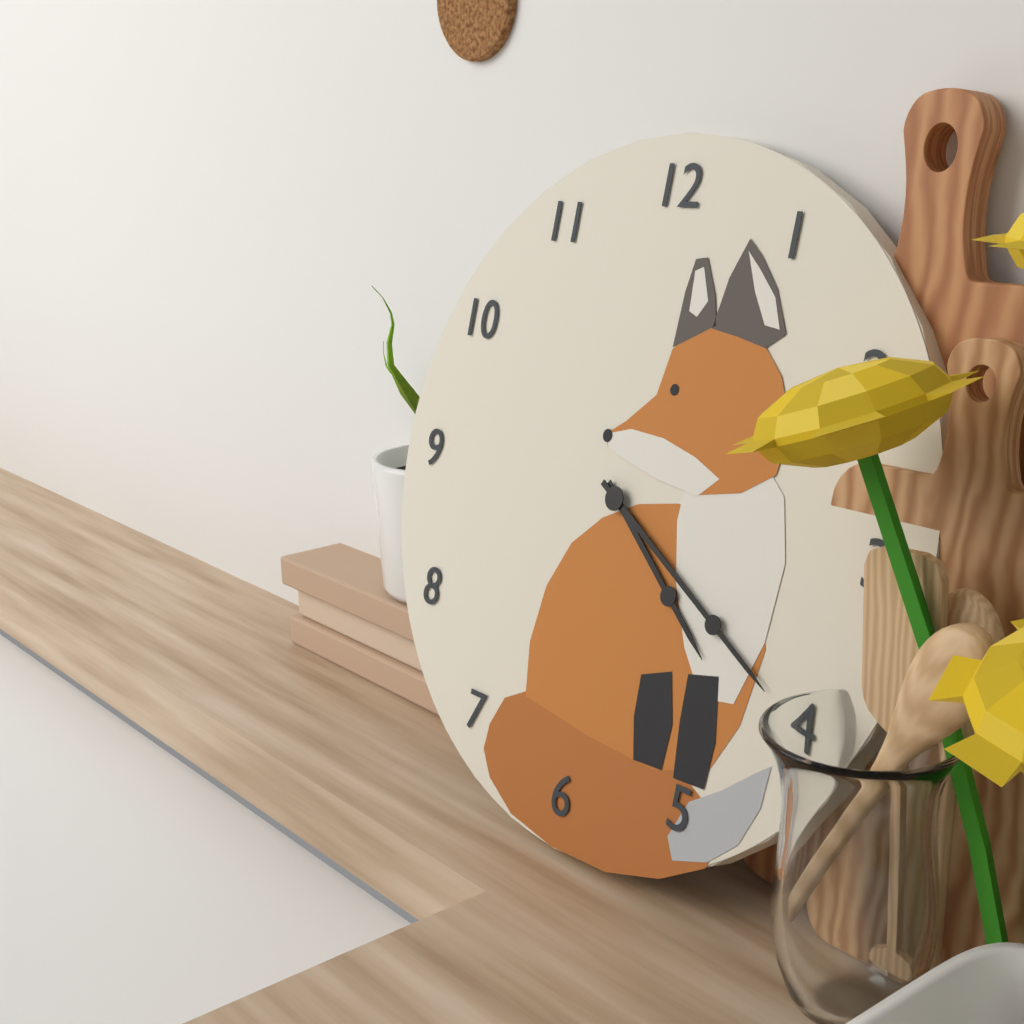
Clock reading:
4 h 20 min
